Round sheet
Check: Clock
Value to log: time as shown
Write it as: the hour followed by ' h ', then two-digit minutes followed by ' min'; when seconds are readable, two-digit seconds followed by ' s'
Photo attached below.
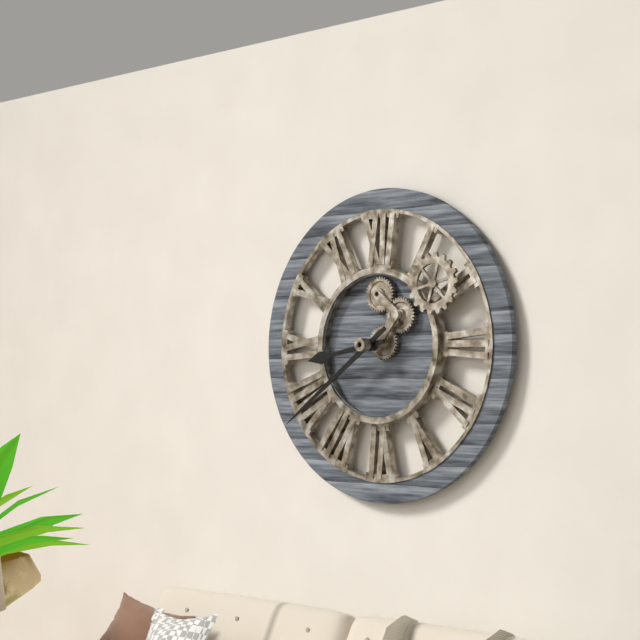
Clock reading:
8 h 39 min
